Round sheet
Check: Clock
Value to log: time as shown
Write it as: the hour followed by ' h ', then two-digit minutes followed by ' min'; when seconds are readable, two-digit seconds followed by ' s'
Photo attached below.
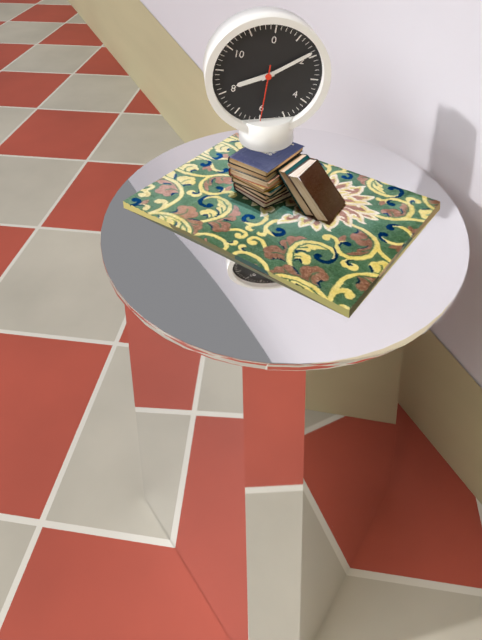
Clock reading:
8 h 09 min 30 s
